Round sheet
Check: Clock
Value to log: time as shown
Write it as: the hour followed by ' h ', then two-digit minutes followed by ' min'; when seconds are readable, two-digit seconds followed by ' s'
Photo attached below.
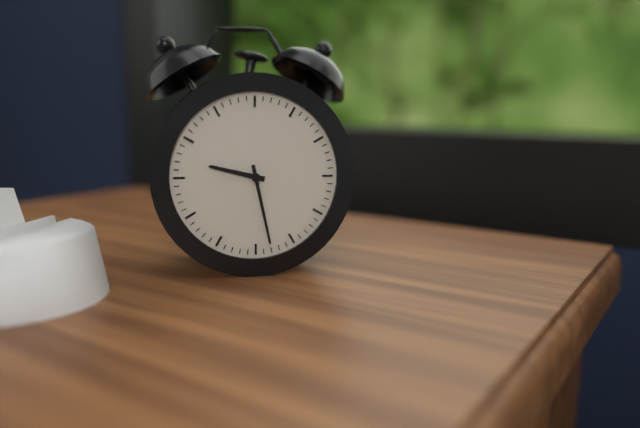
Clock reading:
9 h 28 min
